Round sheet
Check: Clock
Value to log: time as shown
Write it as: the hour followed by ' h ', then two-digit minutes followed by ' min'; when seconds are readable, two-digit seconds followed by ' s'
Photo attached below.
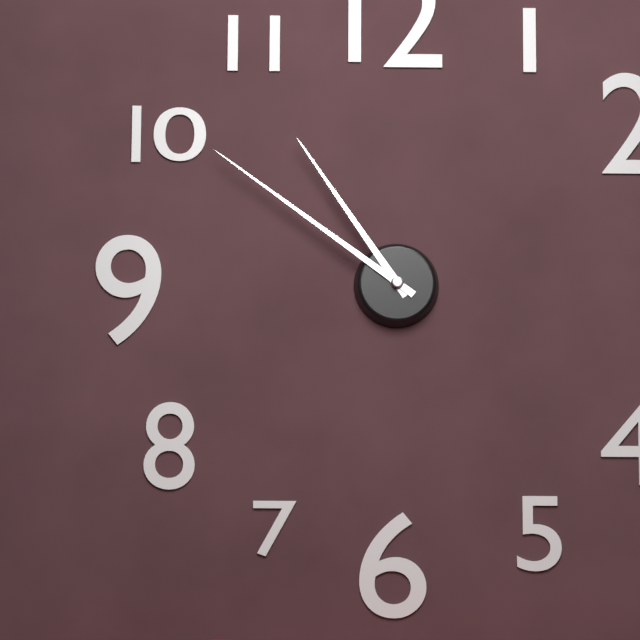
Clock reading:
10 h 51 min
